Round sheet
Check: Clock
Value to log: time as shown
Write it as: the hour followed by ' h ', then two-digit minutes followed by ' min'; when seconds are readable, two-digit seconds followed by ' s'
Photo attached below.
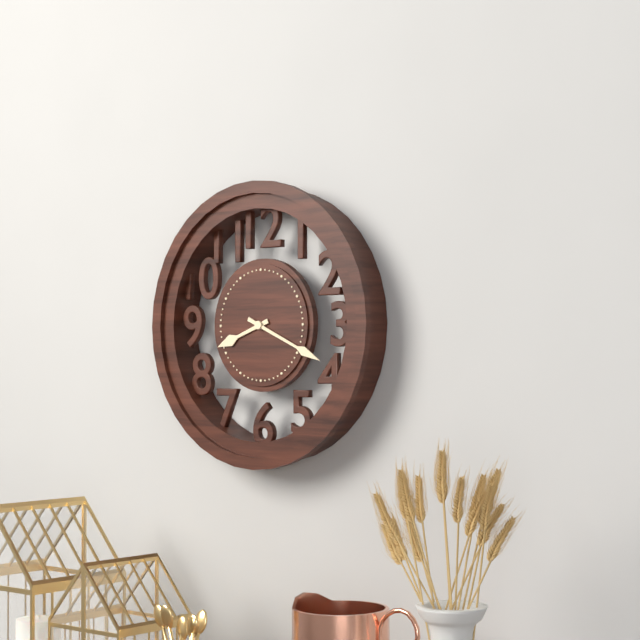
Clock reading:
8 h 19 min
